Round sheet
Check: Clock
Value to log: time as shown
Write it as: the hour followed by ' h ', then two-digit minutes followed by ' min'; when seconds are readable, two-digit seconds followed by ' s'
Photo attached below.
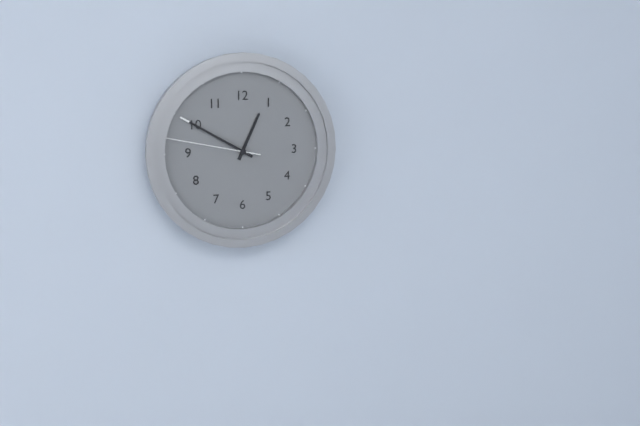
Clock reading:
12 h 50 min 47 s
